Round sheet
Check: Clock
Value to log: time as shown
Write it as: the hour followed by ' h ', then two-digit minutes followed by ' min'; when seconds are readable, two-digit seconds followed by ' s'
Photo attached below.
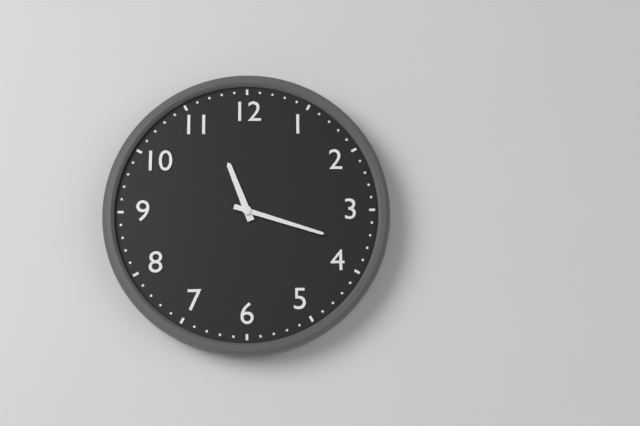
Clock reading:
11 h 18 min
